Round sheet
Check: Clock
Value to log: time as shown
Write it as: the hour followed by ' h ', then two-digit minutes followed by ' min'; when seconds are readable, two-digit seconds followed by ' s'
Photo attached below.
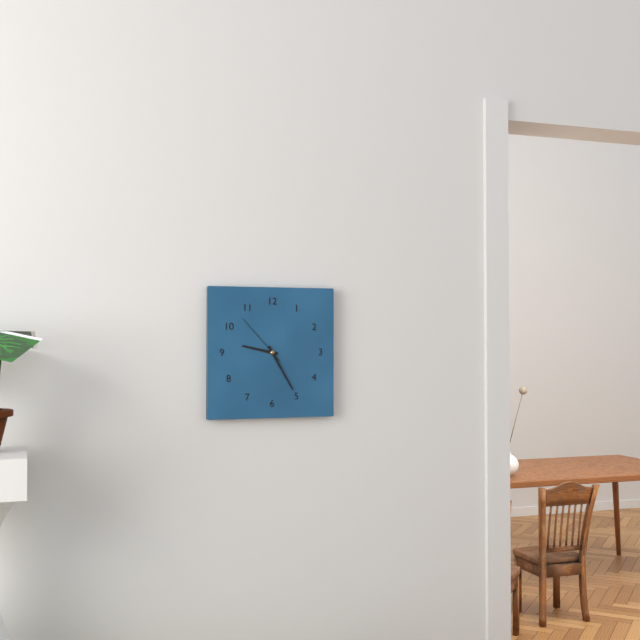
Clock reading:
9 h 25 min 53 s
